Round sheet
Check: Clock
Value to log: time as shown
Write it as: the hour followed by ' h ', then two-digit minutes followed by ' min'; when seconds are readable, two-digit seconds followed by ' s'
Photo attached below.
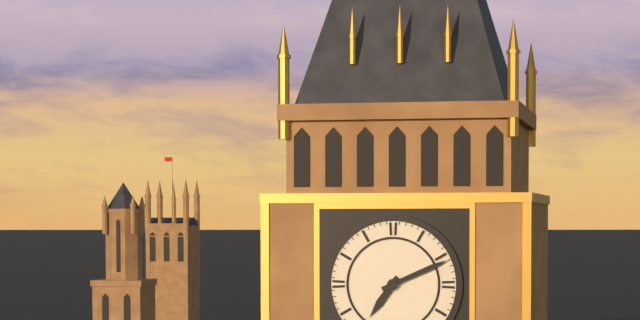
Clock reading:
7 h 11 min
